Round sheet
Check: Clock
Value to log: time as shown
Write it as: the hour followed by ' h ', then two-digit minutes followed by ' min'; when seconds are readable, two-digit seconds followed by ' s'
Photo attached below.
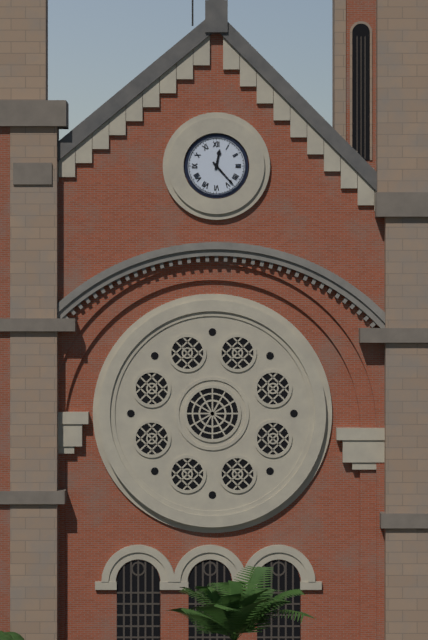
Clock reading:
12 h 23 min
